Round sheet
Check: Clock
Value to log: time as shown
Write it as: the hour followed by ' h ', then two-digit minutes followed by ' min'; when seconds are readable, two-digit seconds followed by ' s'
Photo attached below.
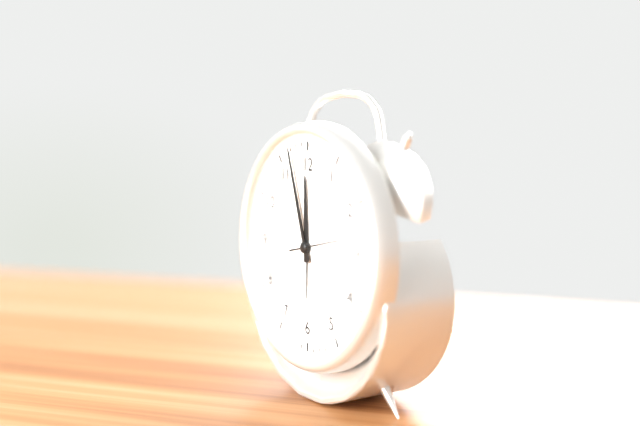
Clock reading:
11 h 57 min 13 s
